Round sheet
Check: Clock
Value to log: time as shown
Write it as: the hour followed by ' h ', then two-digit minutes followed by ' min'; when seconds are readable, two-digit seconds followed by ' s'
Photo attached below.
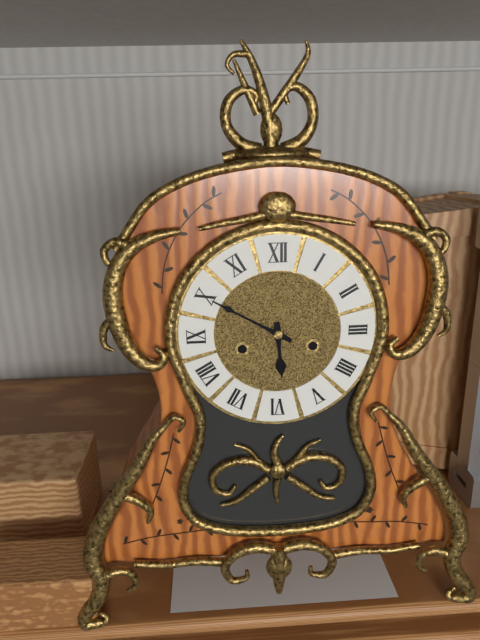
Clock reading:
5 h 50 min
